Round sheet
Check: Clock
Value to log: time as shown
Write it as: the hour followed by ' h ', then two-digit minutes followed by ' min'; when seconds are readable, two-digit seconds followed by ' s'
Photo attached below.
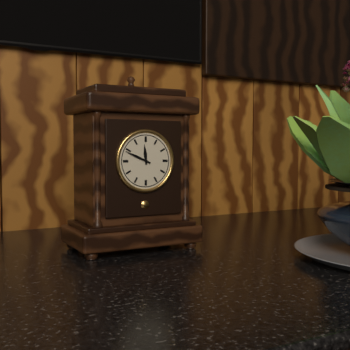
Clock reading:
11 h 49 min
